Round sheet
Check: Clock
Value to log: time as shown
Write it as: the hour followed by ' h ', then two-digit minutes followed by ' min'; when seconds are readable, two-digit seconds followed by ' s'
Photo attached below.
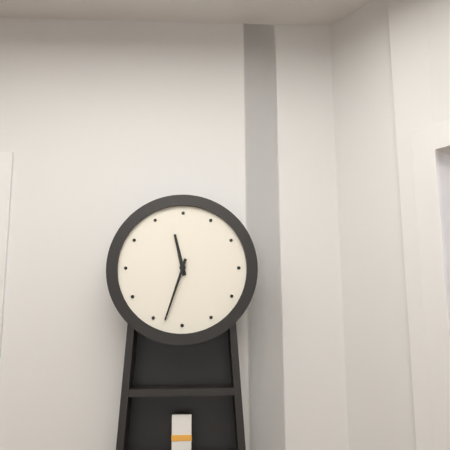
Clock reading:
11 h 33 min
